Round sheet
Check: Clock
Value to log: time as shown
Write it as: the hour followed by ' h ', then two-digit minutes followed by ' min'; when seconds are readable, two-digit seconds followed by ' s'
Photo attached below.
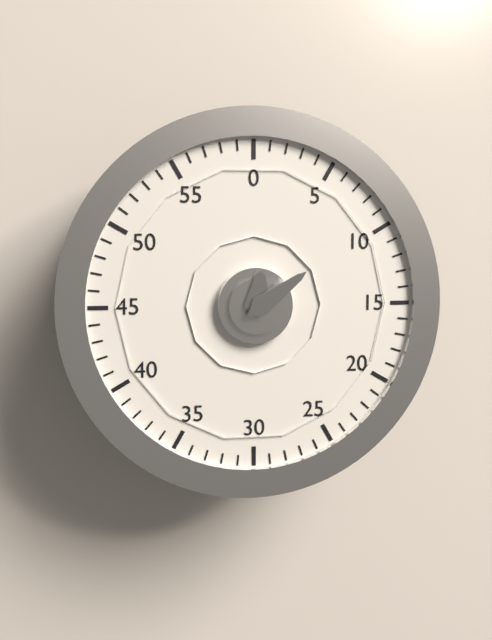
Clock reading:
12 h 09 min
